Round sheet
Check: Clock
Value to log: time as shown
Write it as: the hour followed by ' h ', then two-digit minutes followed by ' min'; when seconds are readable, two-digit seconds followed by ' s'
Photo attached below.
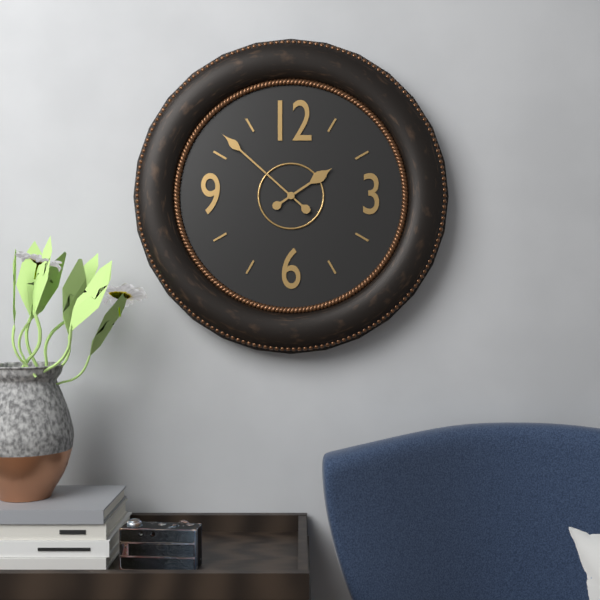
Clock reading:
1 h 52 min
